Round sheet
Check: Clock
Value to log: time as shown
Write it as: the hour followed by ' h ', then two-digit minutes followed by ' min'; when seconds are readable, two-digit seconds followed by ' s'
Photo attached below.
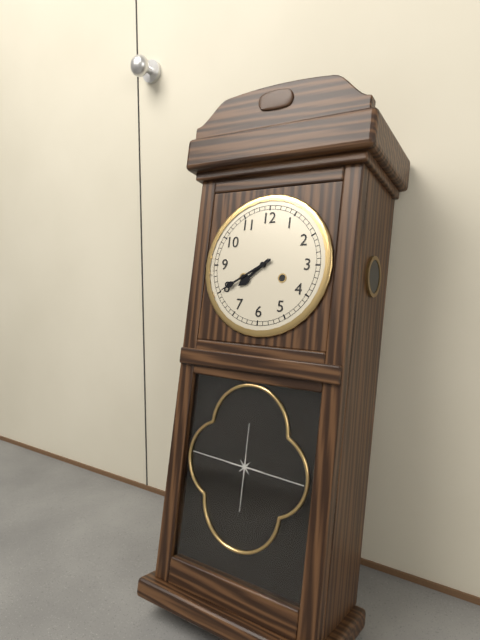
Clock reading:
7 h 40 min
